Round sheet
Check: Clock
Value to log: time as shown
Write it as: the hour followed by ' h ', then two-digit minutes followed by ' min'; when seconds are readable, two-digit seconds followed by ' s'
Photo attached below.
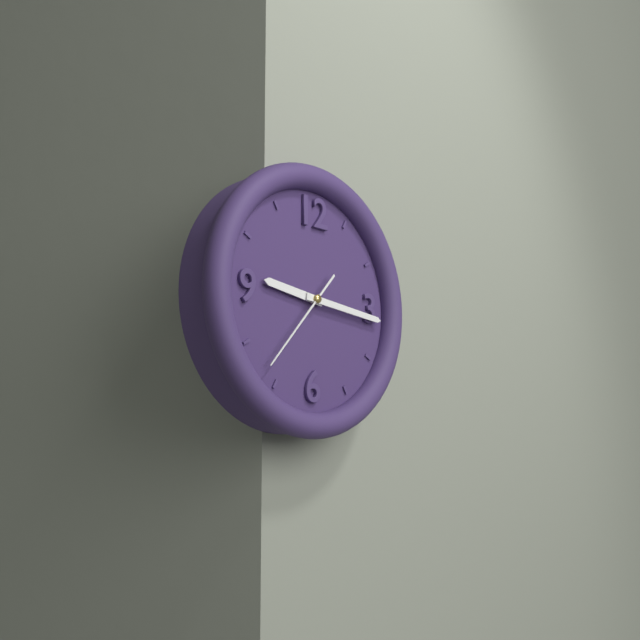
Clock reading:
9 h 16 min 37 s
